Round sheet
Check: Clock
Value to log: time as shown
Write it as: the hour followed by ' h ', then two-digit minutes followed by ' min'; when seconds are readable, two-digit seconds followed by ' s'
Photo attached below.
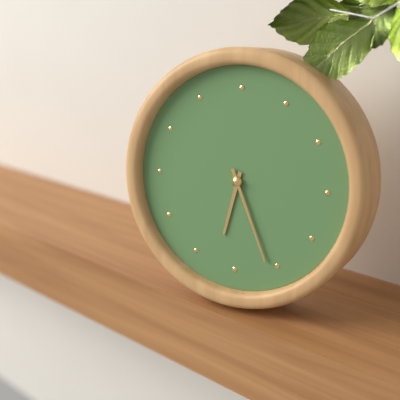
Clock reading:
6 h 26 min
